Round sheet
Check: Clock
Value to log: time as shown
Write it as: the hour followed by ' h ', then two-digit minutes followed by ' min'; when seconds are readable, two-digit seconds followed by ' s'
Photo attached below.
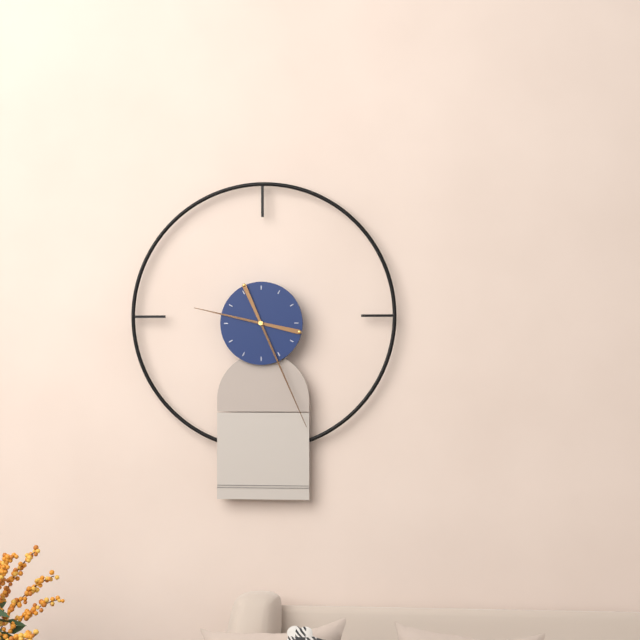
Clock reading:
9 h 26 min
